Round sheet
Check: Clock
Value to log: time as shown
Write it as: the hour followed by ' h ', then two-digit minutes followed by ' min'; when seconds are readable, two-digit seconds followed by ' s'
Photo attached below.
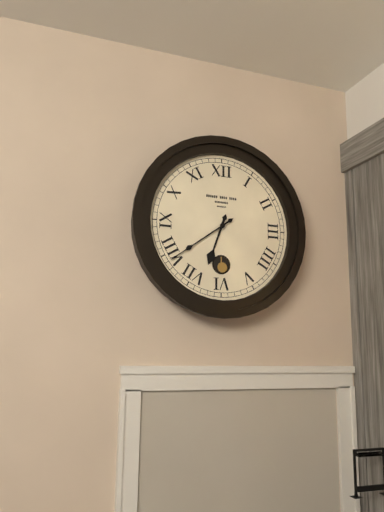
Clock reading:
6 h 39 min
